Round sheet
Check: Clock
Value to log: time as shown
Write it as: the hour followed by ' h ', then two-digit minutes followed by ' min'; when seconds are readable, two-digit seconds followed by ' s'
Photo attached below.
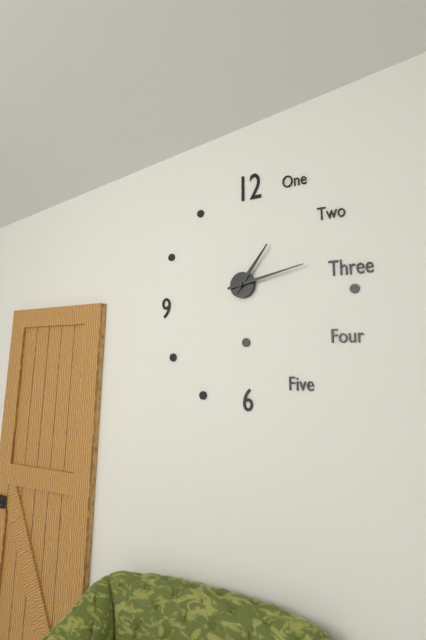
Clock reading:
1 h 13 min
